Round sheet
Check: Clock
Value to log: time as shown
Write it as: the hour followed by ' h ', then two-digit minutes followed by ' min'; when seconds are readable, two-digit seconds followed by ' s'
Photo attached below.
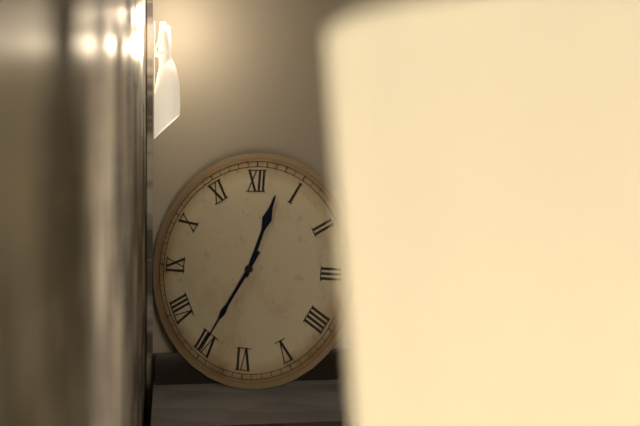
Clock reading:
12 h 35 min
